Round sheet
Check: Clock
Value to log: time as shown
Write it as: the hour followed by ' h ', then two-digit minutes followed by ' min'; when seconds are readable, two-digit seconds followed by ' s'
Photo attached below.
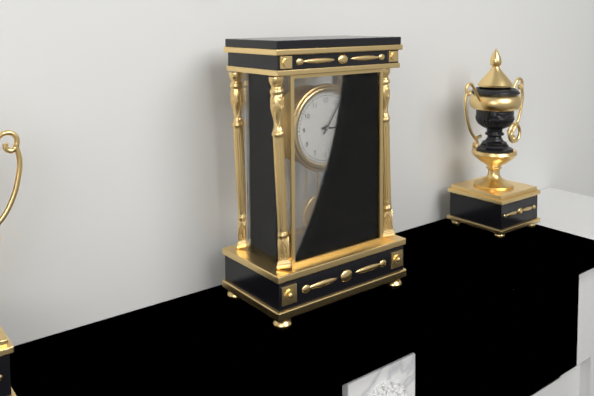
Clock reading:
3 h 06 min
